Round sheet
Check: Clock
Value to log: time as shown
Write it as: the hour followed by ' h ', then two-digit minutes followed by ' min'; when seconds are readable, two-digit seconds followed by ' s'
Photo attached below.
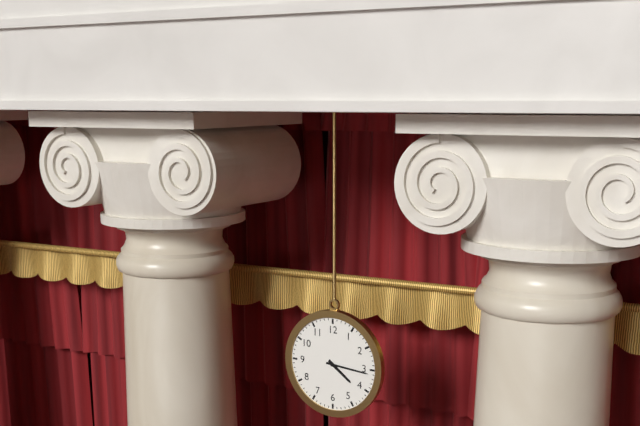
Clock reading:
4 h 16 min
